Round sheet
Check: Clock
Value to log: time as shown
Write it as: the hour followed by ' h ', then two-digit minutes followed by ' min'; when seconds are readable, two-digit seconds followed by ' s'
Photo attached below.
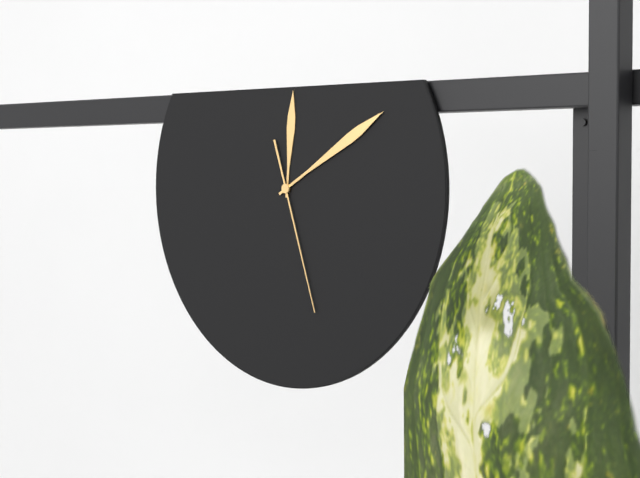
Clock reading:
12 h 10 min 27 s
